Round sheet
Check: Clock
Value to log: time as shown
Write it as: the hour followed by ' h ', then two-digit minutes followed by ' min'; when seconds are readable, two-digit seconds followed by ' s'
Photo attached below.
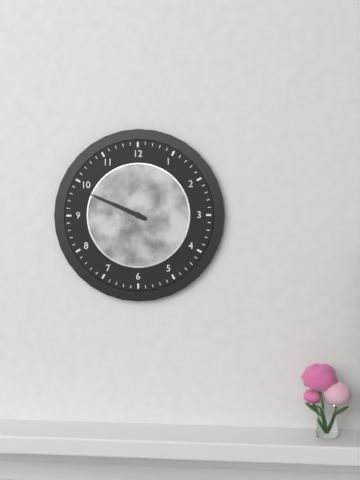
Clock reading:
9 h 49 min
